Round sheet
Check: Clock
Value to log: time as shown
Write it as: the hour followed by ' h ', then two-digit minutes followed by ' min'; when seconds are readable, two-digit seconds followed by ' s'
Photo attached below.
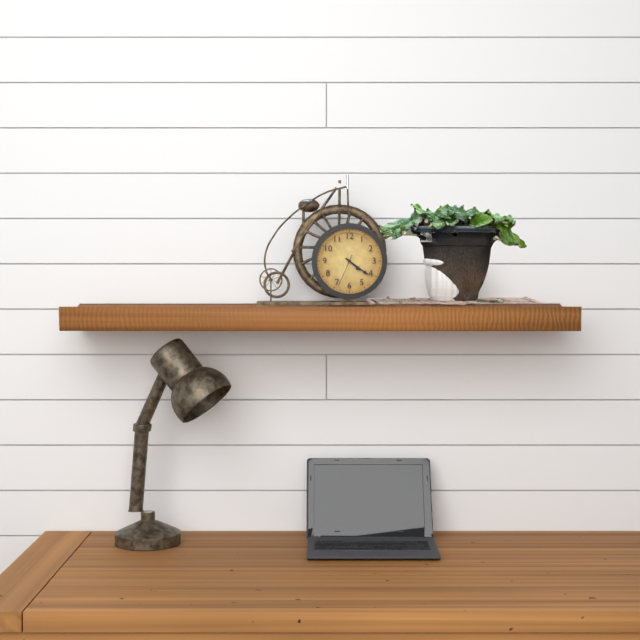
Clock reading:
4 h 21 min
